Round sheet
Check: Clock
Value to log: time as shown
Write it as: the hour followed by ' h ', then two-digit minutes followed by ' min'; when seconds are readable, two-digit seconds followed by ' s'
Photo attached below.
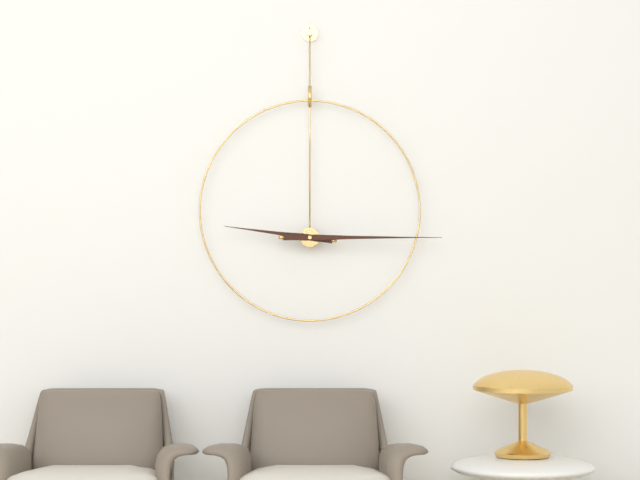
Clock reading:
9 h 15 min
